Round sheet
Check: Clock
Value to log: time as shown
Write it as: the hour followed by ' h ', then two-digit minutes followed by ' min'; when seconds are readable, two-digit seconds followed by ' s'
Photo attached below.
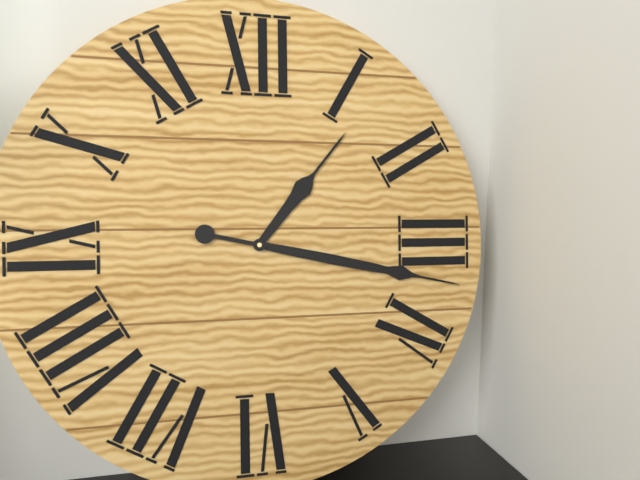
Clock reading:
1 h 17 min
